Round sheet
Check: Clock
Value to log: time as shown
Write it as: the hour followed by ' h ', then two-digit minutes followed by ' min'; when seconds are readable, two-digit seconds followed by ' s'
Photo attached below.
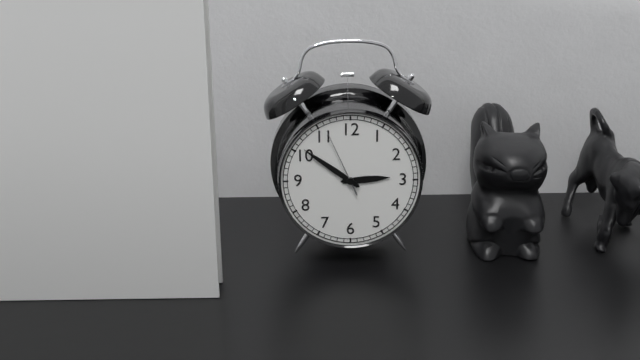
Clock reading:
2 h 51 min 56 s
